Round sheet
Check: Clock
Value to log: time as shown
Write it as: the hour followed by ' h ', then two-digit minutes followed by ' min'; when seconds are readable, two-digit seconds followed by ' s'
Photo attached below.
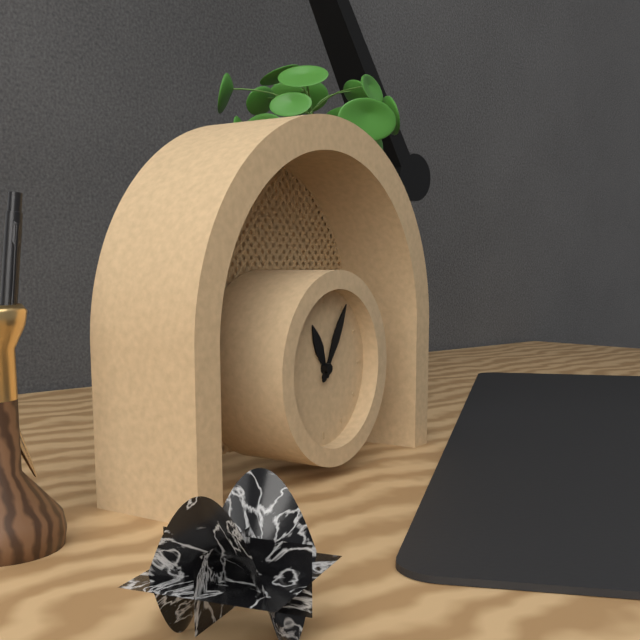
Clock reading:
11 h 05 min
